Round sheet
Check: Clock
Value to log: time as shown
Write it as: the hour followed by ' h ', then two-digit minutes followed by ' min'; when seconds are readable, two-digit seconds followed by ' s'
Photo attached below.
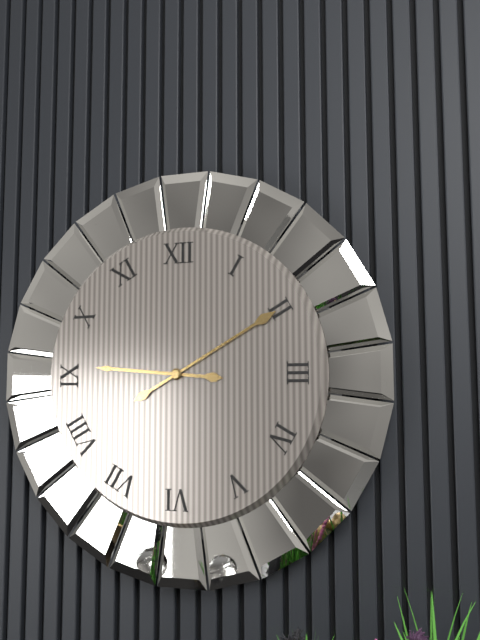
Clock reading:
9 h 10 min
